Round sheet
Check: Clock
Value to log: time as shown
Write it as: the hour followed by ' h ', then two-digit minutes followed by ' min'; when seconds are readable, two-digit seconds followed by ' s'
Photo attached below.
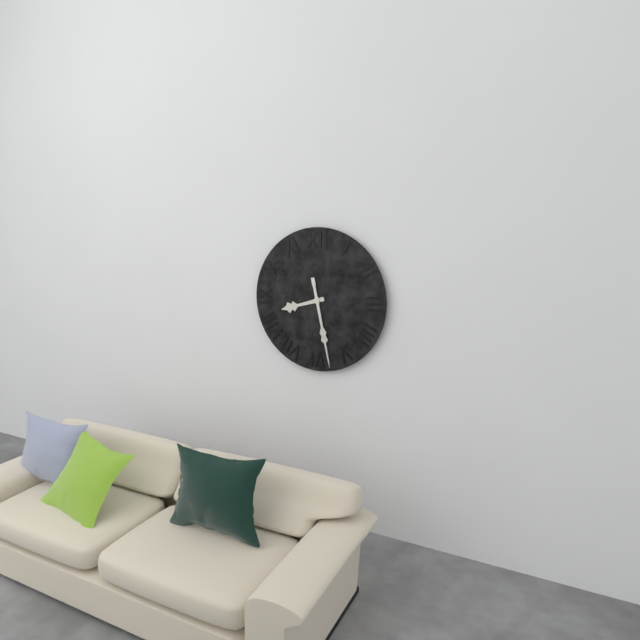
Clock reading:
8 h 28 min
